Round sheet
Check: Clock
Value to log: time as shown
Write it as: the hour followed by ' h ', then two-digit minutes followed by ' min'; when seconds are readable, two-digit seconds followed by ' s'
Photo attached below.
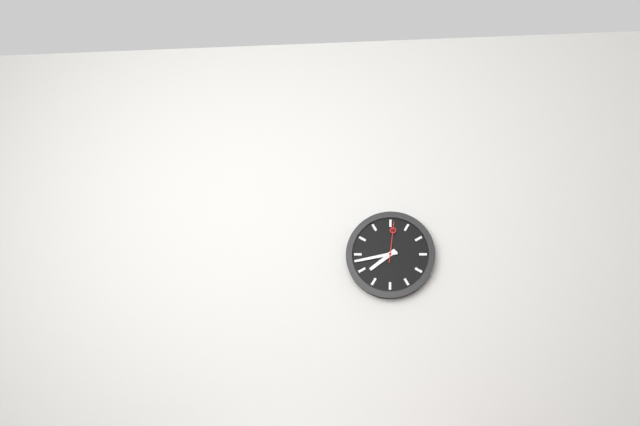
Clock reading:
7 h 43 min
